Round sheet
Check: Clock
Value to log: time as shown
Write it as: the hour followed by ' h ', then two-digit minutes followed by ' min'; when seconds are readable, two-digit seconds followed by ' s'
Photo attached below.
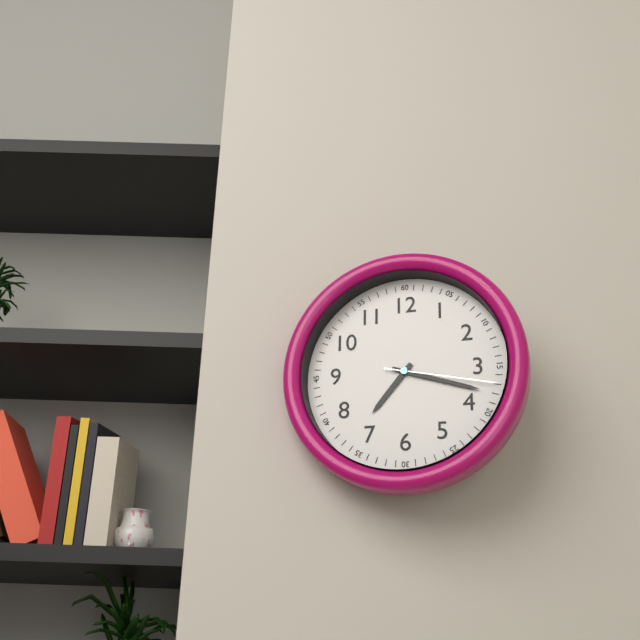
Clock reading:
7 h 18 min 17 s
